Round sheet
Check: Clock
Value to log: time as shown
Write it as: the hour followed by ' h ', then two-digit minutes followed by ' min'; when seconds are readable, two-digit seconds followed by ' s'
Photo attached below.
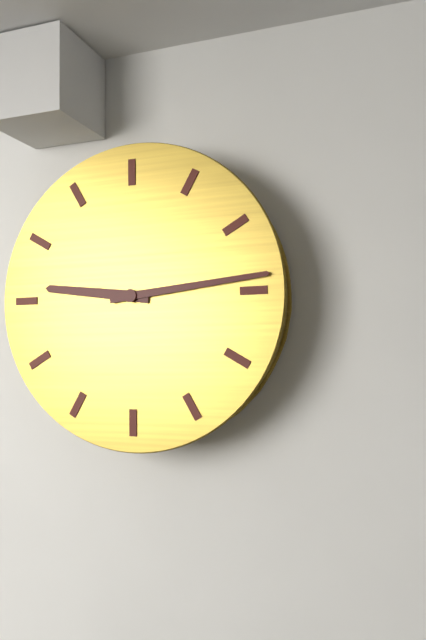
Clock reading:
9 h 14 min
